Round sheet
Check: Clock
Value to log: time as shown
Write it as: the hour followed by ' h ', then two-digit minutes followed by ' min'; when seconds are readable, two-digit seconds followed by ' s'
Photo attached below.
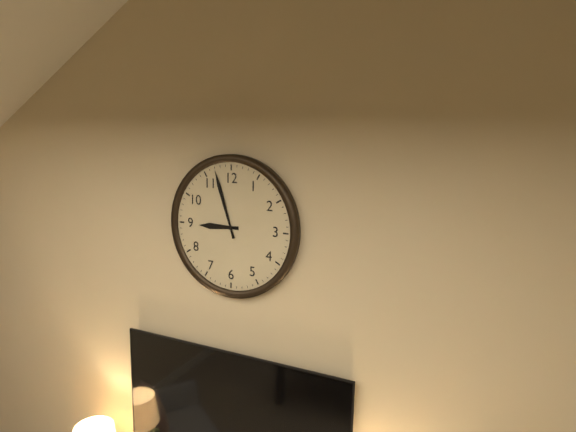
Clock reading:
8 h 57 min
